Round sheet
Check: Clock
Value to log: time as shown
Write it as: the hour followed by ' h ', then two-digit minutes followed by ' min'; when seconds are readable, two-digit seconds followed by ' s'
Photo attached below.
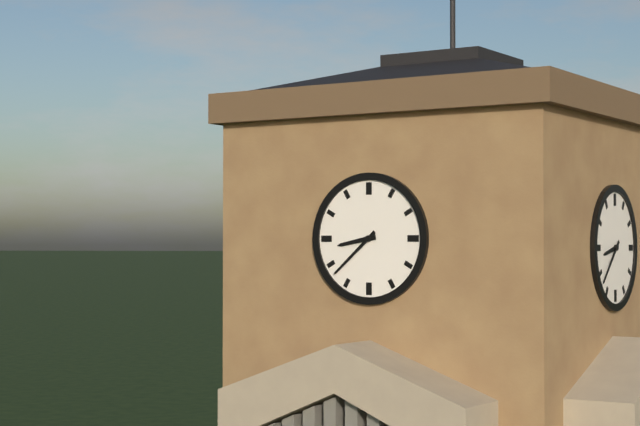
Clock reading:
8 h 38 min
